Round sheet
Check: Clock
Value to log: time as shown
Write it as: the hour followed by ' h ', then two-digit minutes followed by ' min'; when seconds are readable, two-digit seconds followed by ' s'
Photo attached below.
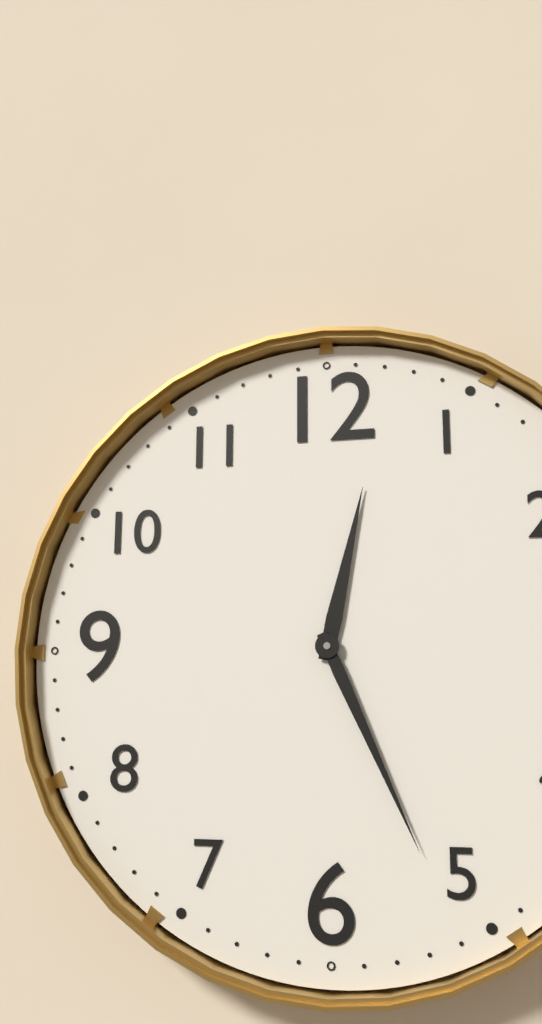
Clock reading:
12 h 26 min
